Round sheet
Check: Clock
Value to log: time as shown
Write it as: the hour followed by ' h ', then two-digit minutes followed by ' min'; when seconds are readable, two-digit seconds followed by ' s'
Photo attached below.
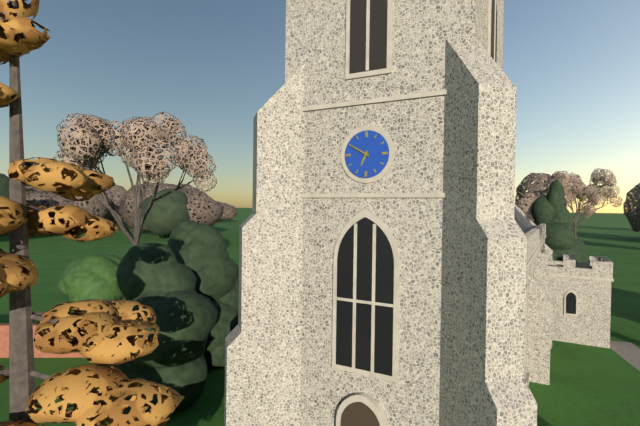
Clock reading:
6 h 50 min
